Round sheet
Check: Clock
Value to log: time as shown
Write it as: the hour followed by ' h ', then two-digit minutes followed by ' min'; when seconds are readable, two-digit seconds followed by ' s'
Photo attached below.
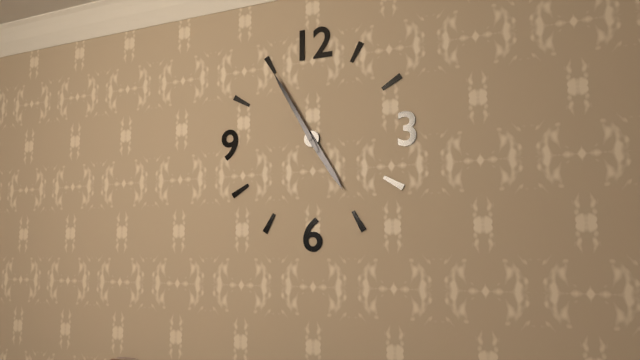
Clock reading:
4 h 55 min
